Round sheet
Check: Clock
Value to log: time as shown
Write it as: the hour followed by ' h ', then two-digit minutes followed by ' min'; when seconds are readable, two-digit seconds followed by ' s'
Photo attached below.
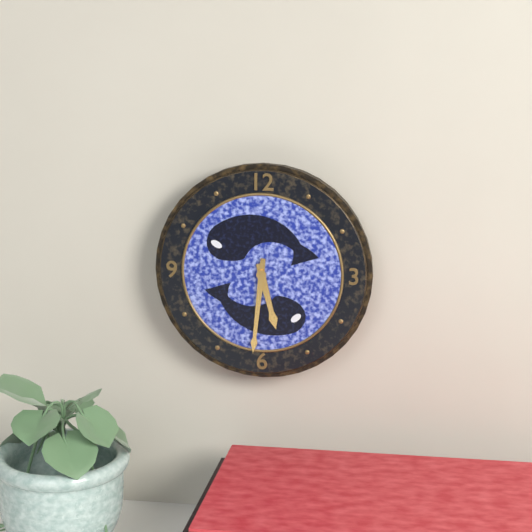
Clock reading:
5 h 31 min
